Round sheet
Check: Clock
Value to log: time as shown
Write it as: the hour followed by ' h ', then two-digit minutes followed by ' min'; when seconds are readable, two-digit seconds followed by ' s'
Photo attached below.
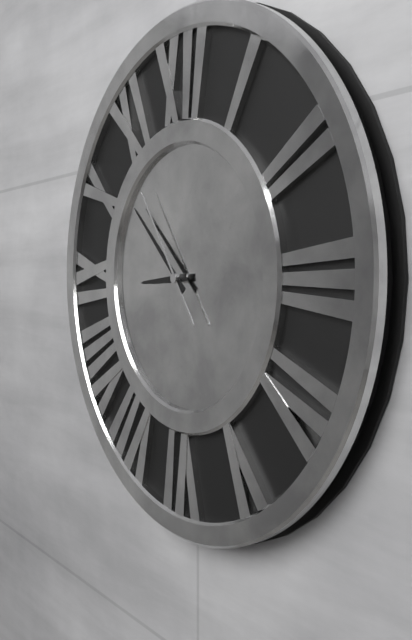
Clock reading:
8 h 52 min 54 s
